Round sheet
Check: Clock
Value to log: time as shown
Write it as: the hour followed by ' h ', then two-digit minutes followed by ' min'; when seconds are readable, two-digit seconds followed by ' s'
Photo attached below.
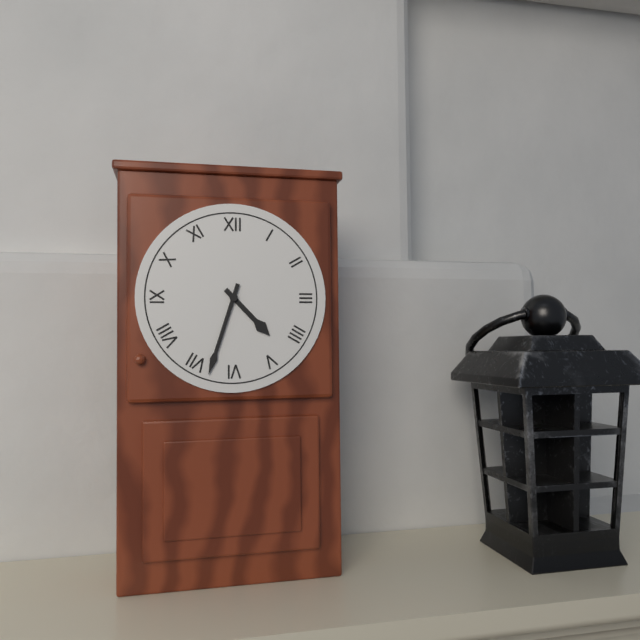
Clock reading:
4 h 33 min
